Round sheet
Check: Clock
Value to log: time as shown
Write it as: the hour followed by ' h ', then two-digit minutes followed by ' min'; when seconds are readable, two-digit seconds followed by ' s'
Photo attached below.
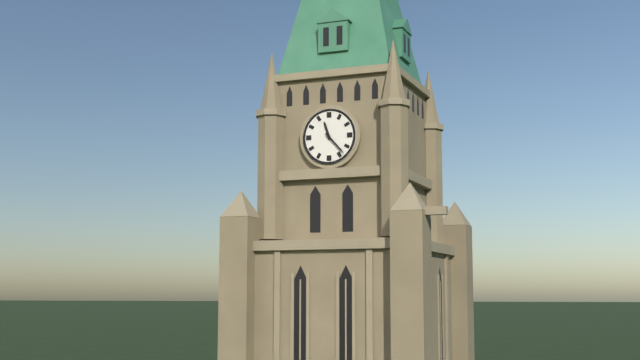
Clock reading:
11 h 23 min
